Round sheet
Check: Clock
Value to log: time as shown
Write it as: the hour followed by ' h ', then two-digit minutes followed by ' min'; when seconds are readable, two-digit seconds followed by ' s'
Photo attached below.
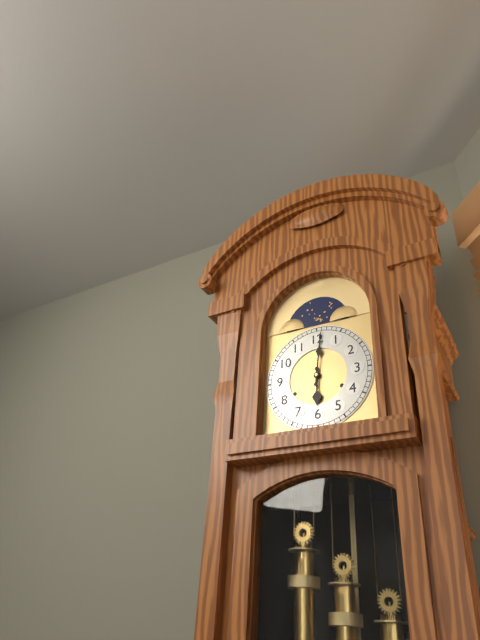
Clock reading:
6 h 01 min
